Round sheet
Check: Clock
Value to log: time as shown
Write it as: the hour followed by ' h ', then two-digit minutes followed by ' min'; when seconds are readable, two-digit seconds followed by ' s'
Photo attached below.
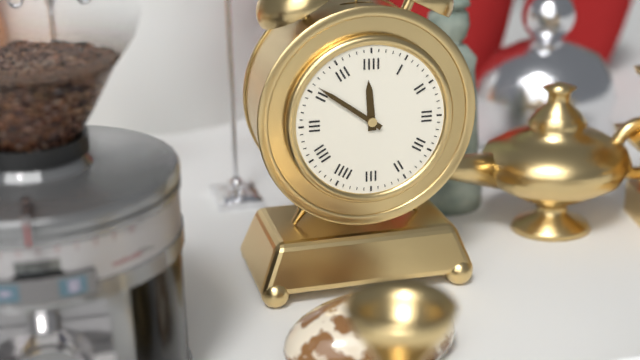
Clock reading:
11 h 51 min
